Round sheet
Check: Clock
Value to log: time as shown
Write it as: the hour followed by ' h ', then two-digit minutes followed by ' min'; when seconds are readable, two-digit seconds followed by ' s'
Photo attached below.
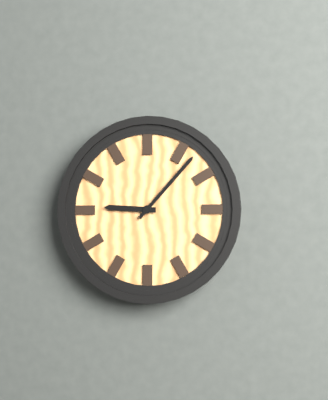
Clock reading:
9 h 07 min
